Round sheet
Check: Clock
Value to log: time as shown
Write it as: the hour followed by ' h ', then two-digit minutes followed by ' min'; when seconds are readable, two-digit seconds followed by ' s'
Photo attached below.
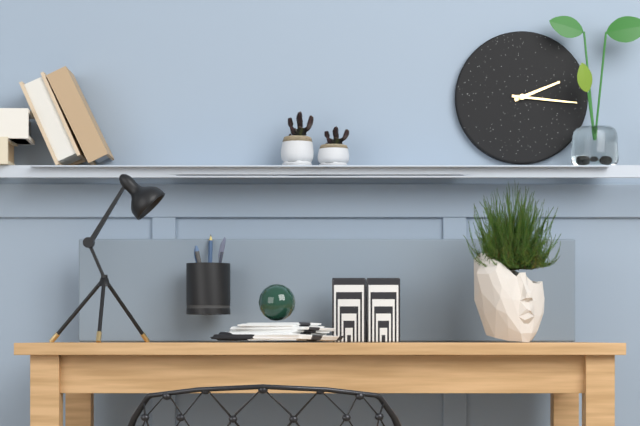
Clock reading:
2 h 16 min
